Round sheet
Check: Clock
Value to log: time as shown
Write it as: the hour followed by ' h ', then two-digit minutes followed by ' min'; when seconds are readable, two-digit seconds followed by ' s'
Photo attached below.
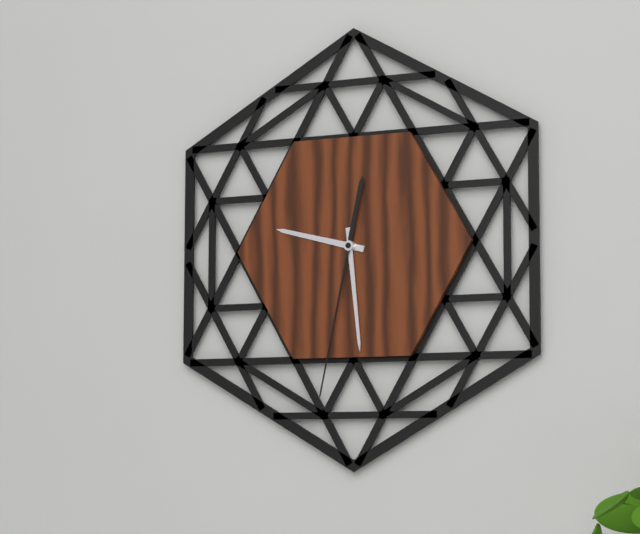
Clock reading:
9 h 29 min 32 s
